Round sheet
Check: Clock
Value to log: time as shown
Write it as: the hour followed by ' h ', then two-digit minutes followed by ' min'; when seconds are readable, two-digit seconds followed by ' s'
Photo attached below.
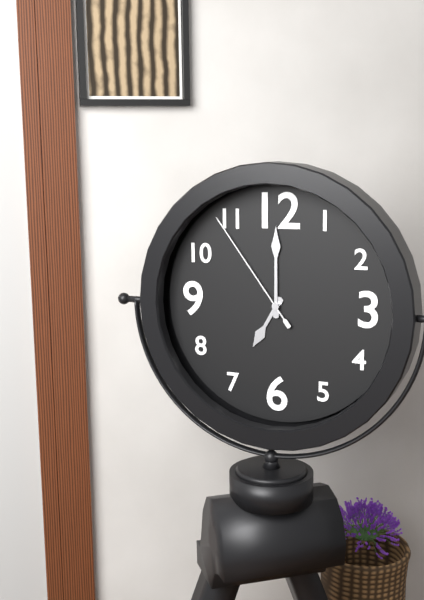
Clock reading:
7 h 00 min 54 s
